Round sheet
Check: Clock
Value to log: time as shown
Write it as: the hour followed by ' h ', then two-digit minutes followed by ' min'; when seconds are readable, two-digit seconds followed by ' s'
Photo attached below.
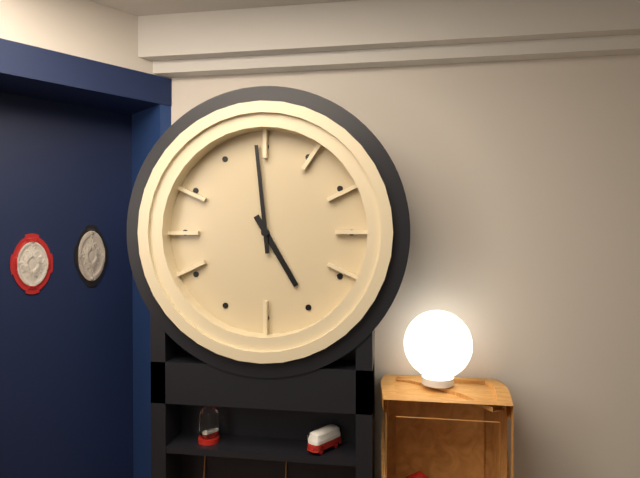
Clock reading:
4 h 59 min
